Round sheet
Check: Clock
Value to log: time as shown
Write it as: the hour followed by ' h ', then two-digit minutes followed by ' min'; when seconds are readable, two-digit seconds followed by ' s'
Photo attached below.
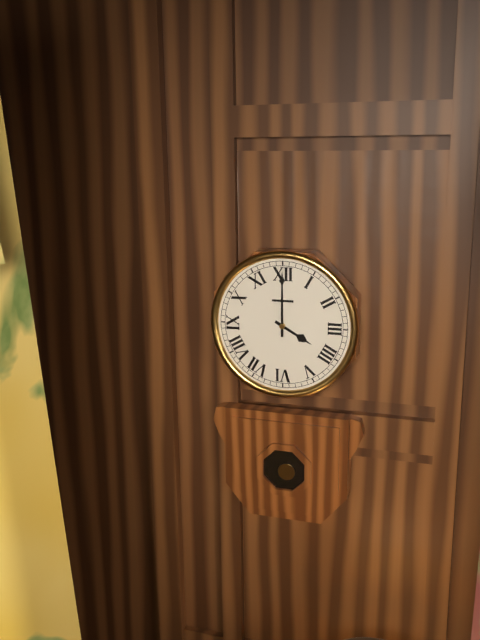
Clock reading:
4 h 00 min
